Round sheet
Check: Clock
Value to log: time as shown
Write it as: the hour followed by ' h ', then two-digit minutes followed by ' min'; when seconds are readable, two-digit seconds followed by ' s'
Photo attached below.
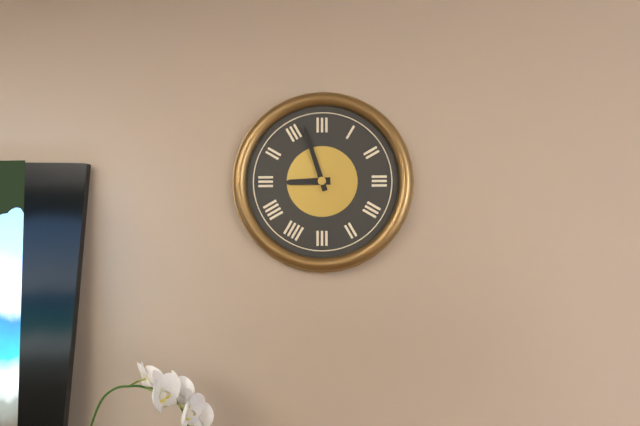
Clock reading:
8 h 57 min
